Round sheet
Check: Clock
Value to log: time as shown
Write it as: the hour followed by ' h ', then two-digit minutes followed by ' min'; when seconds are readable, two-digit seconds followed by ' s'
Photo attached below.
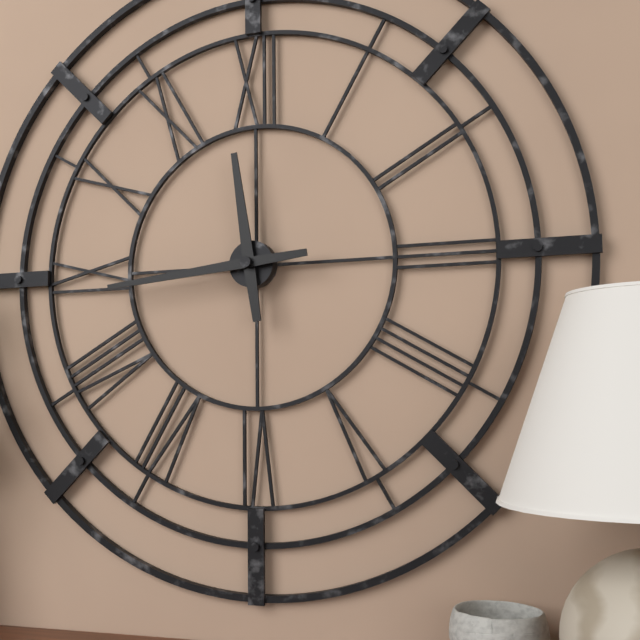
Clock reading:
11 h 44 min
